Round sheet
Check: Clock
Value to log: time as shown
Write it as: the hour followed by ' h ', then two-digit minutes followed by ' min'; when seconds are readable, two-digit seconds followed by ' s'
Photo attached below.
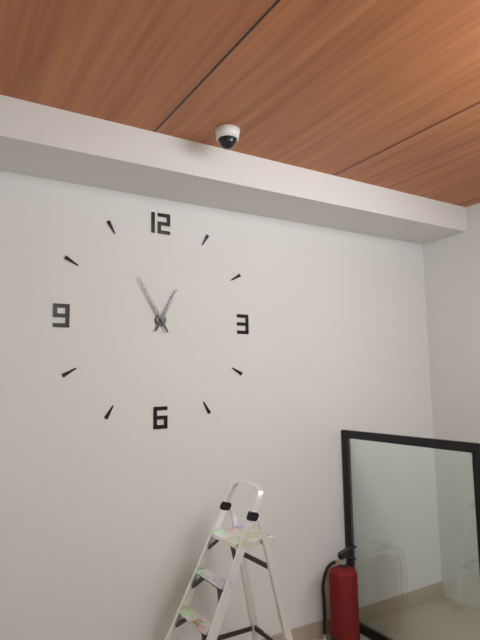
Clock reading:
12 h 55 min
